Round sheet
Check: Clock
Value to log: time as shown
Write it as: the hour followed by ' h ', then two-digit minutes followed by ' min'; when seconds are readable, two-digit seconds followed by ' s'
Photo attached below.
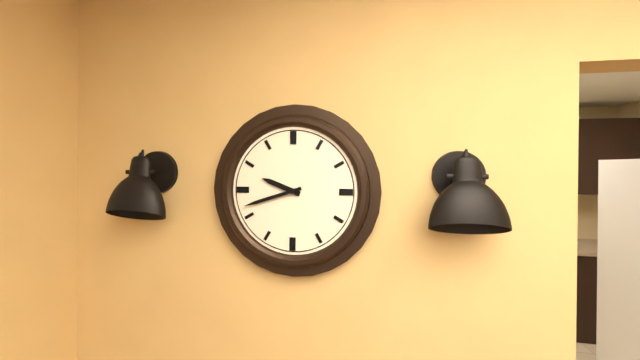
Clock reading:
9 h 42 min
